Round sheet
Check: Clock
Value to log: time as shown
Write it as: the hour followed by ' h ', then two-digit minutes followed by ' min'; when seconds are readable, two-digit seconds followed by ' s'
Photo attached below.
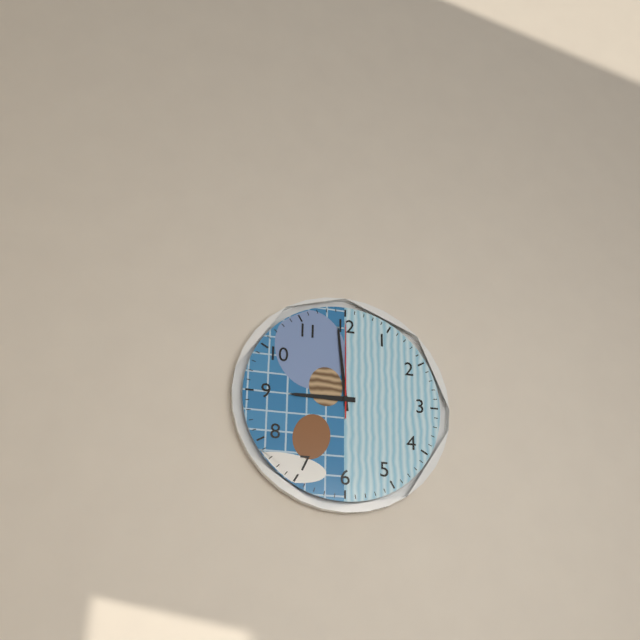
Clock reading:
8 h 59 min 00 s
